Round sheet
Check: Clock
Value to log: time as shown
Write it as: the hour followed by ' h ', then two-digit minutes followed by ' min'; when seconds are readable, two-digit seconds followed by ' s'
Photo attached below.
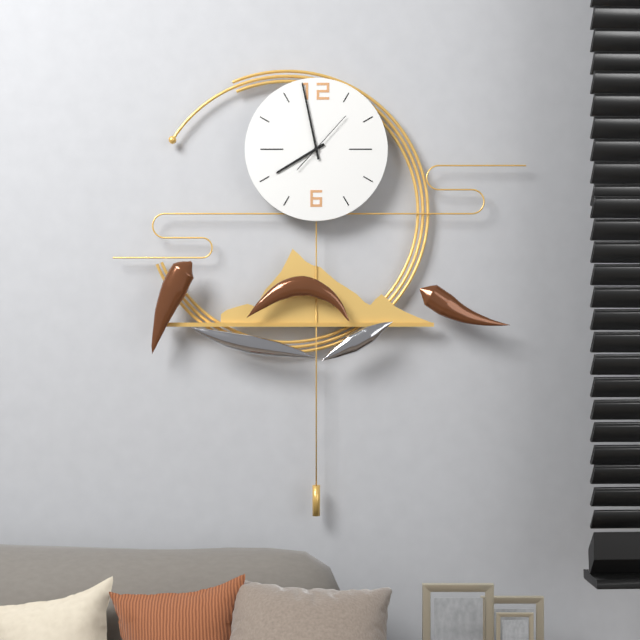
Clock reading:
7 h 58 min 07 s
